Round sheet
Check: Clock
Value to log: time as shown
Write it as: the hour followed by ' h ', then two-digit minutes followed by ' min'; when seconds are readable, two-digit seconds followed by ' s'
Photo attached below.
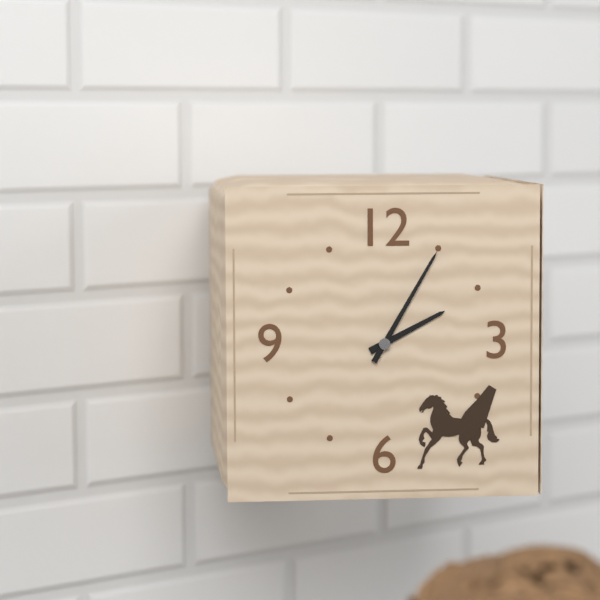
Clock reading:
2 h 05 min
